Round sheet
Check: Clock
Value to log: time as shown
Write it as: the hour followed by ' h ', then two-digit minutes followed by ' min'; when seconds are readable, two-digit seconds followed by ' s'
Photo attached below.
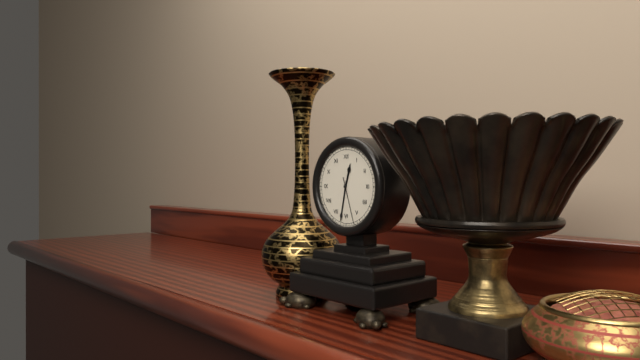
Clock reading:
12 h 32 min
